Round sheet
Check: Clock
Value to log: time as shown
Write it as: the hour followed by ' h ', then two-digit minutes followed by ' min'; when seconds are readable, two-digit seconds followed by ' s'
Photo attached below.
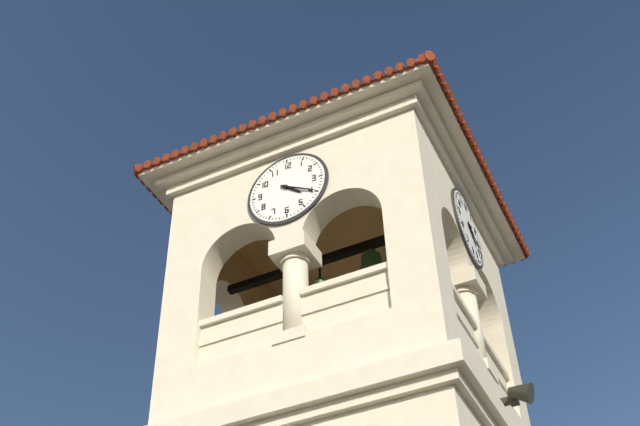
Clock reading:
4 h 20 min
